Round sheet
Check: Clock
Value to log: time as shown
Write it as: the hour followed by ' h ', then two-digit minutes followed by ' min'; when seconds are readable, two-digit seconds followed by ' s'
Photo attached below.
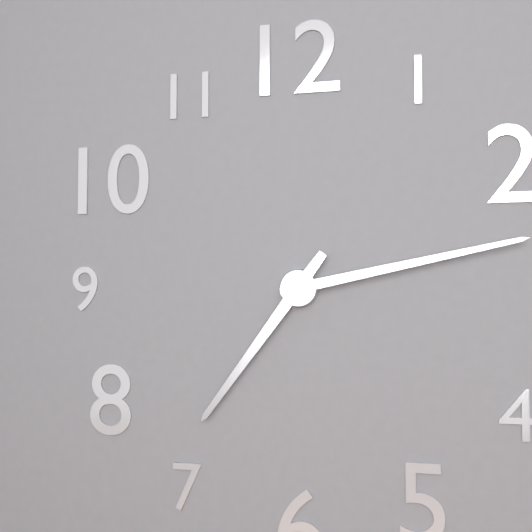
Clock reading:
7 h 13 min
